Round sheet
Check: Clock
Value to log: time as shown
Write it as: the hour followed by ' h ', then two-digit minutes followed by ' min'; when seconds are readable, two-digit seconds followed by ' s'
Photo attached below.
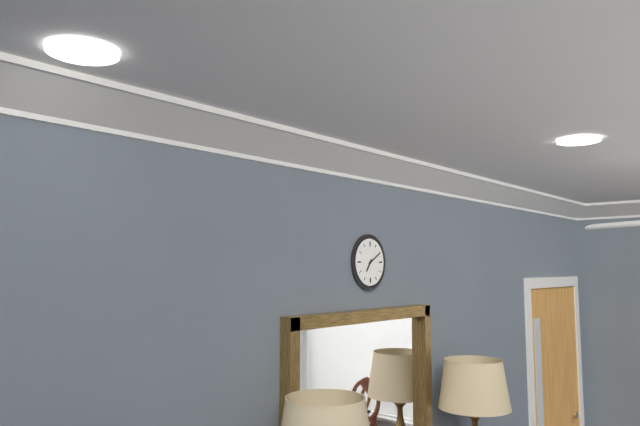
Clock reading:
7 h 10 min
